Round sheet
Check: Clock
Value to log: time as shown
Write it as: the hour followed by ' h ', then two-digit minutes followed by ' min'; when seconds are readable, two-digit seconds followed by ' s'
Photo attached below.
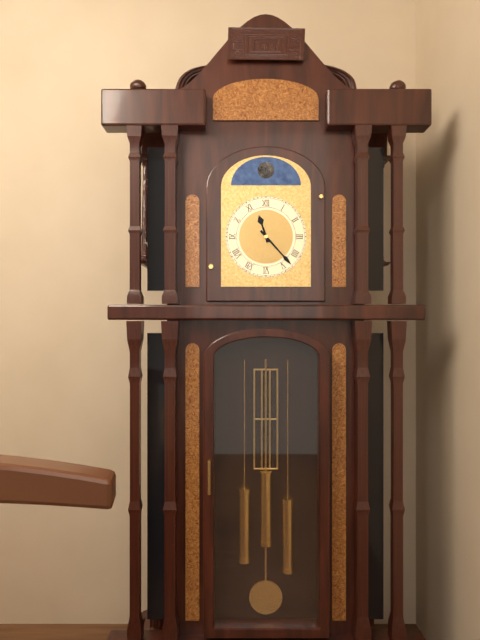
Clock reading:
11 h 23 min
